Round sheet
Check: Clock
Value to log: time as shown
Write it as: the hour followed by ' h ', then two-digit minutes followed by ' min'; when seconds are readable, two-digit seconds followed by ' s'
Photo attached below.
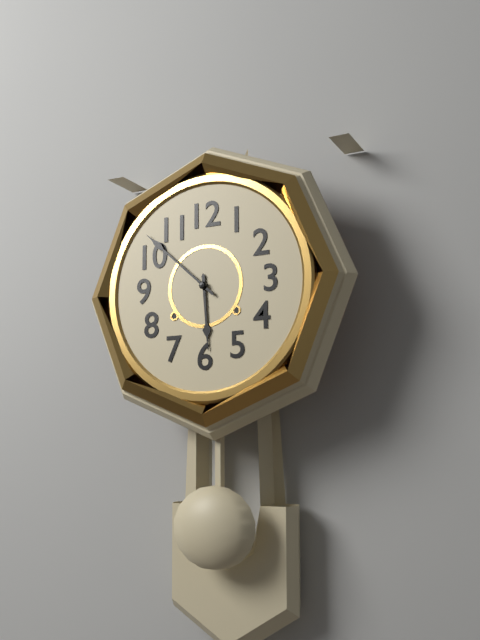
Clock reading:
5 h 52 min
